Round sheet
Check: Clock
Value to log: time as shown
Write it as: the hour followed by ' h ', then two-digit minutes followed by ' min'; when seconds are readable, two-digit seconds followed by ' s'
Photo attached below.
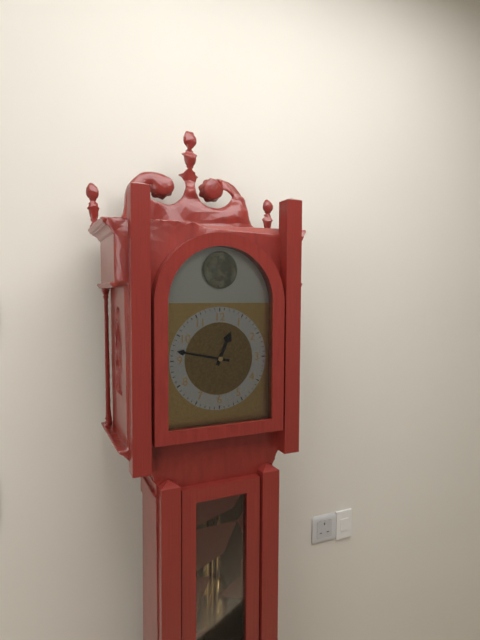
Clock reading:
12 h 47 min
